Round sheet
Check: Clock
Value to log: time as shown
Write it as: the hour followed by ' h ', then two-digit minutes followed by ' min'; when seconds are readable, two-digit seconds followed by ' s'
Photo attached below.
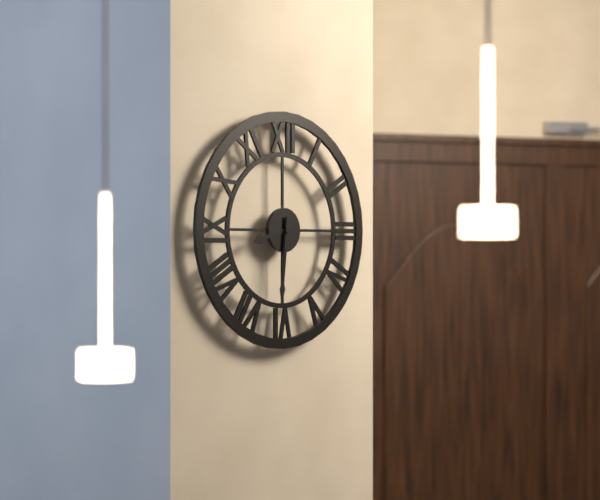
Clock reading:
8 h 31 min
